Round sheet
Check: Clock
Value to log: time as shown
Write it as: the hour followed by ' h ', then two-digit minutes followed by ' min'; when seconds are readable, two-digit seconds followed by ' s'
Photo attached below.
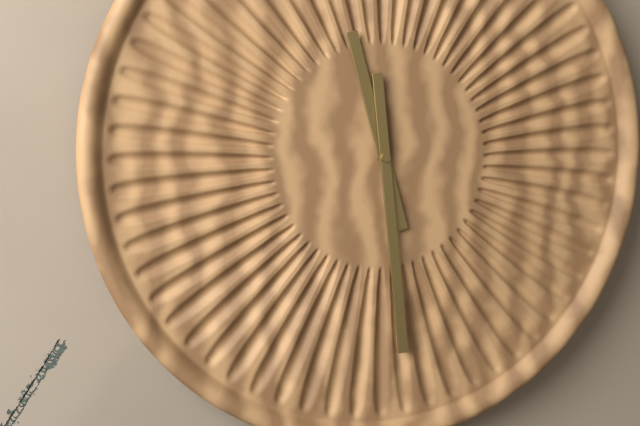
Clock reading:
11 h 29 min
